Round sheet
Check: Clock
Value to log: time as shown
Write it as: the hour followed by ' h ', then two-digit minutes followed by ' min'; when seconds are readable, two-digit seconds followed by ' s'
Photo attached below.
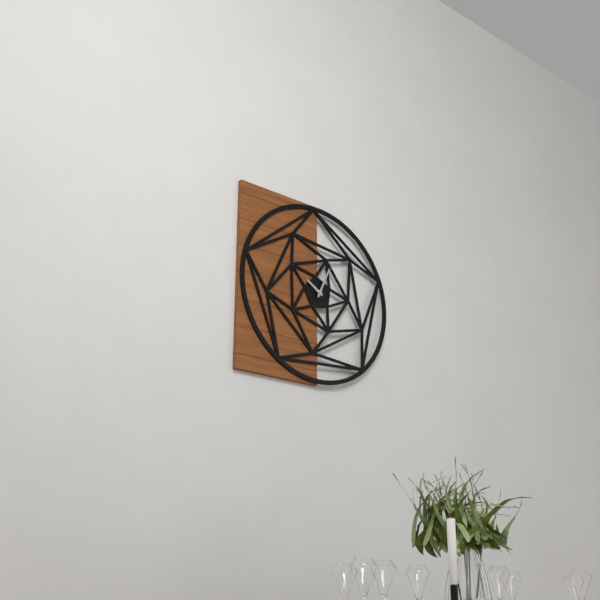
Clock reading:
10 h 04 min
